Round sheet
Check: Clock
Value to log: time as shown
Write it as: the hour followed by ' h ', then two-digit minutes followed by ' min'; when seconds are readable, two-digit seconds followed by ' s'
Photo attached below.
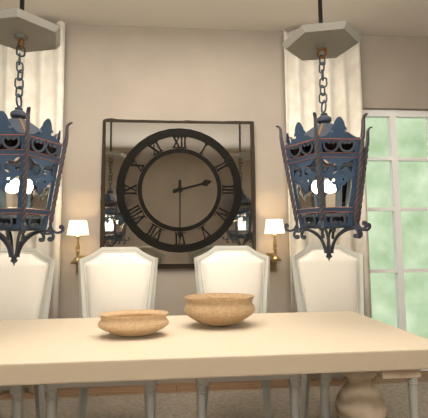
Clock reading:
2 h 30 min
